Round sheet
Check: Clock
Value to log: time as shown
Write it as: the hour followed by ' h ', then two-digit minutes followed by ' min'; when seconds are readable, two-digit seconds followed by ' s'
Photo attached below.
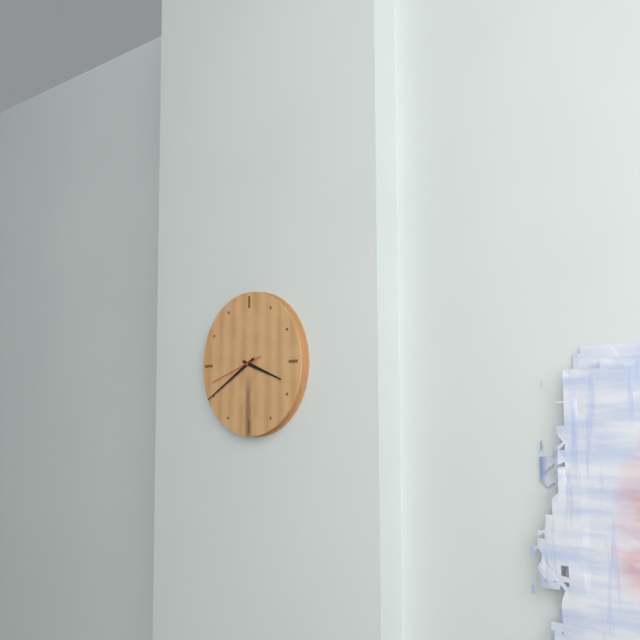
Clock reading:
3 h 40 min 42 s
